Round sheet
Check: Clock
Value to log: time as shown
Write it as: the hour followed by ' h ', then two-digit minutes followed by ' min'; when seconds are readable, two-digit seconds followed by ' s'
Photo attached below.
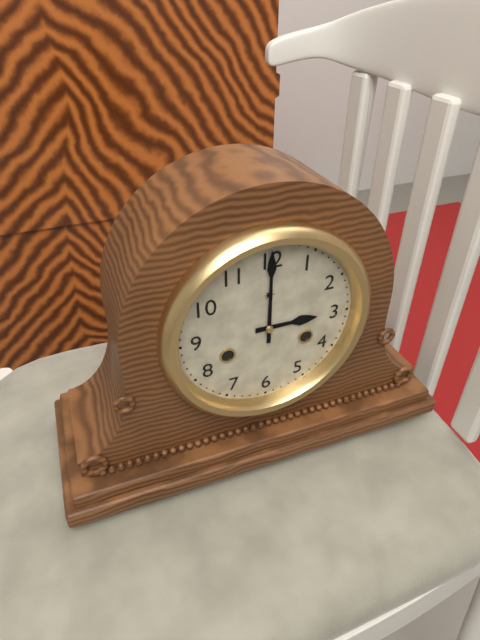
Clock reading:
3 h 00 min
